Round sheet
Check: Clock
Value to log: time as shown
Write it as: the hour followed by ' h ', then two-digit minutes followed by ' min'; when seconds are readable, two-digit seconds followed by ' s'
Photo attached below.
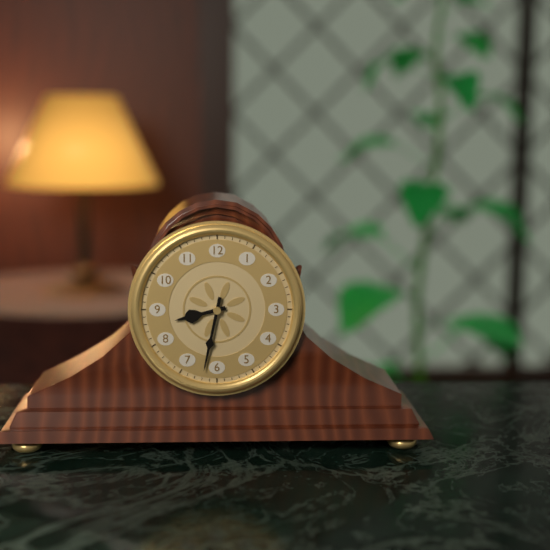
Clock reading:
8 h 32 min
